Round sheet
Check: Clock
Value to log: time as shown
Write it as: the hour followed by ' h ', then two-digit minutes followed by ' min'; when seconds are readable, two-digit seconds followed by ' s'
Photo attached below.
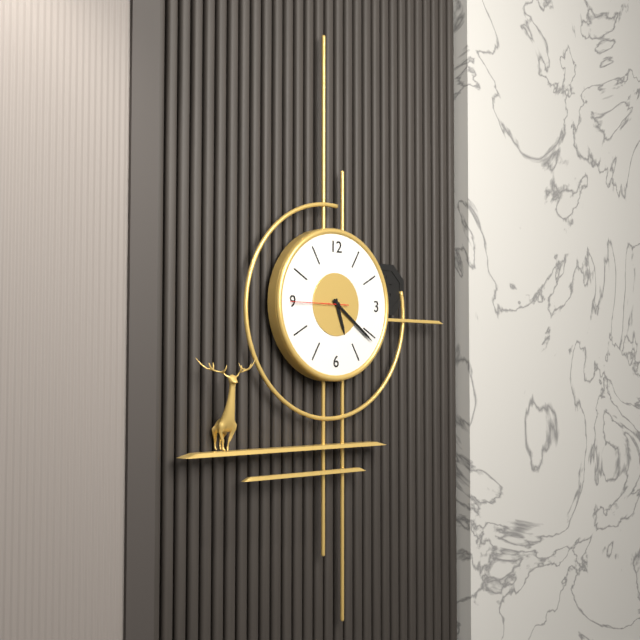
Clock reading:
5 h 21 min 45 s
